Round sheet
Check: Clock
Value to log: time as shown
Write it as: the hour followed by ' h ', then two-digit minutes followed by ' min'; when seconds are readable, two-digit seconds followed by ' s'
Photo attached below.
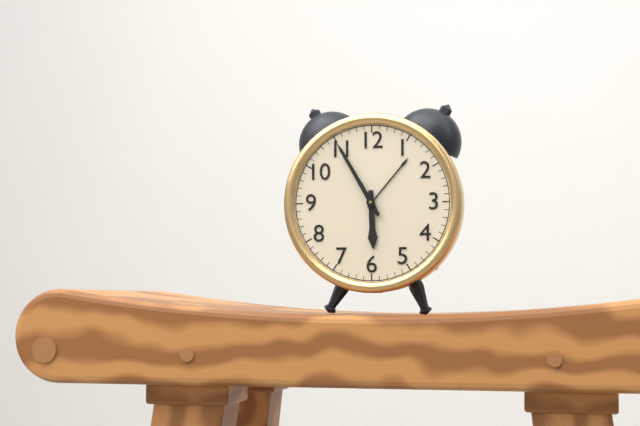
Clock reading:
5 h 55 min
